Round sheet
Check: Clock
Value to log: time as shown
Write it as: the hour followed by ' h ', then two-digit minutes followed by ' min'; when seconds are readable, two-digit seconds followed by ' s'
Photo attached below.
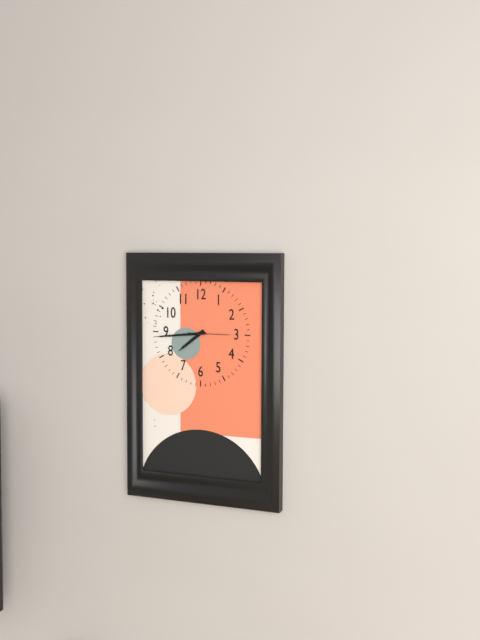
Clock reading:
7 h 44 min
